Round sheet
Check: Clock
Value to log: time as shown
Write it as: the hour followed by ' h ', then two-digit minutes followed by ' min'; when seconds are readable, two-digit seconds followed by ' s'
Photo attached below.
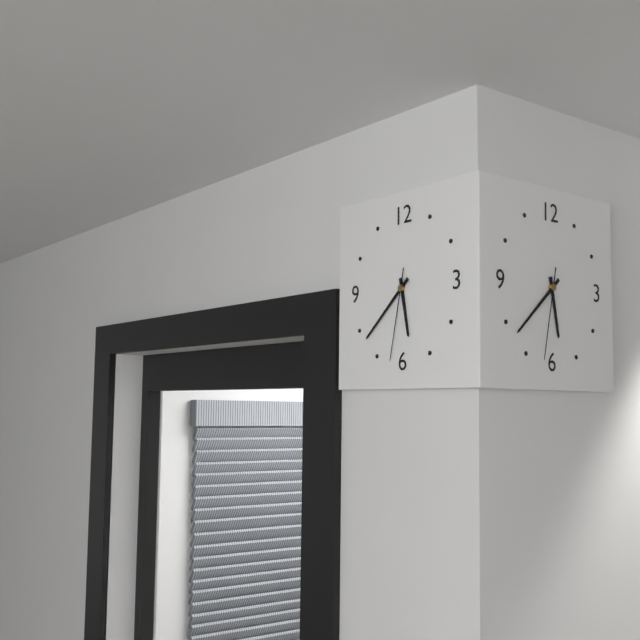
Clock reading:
5 h 38 min 32 s
